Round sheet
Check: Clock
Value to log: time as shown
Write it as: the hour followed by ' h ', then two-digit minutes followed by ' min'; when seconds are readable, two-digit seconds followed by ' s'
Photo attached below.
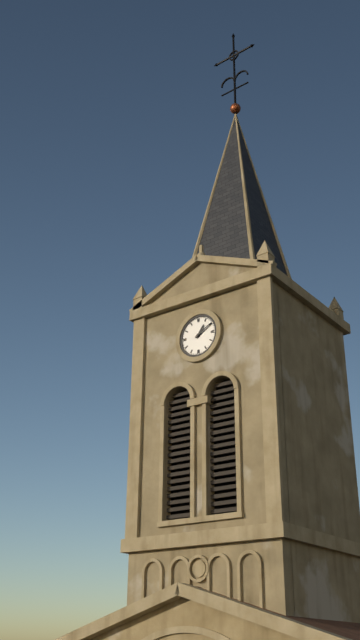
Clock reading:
1 h 10 min
